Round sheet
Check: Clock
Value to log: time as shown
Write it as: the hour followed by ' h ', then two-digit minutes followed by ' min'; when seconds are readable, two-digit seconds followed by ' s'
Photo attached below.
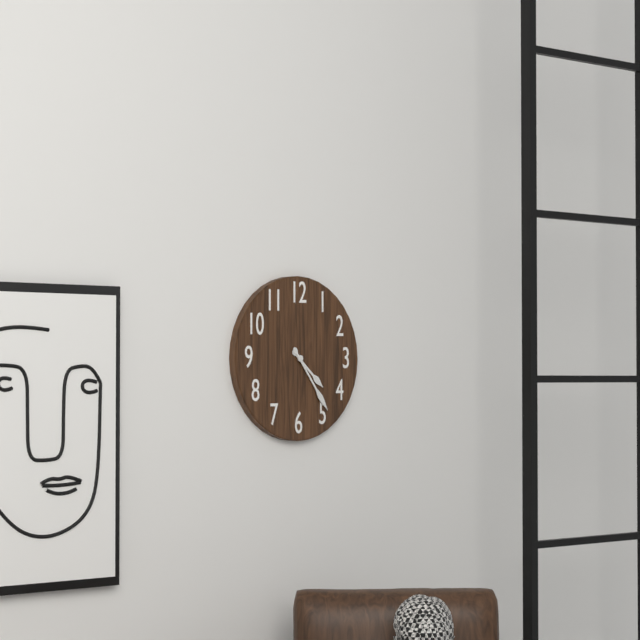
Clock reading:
4 h 24 min
